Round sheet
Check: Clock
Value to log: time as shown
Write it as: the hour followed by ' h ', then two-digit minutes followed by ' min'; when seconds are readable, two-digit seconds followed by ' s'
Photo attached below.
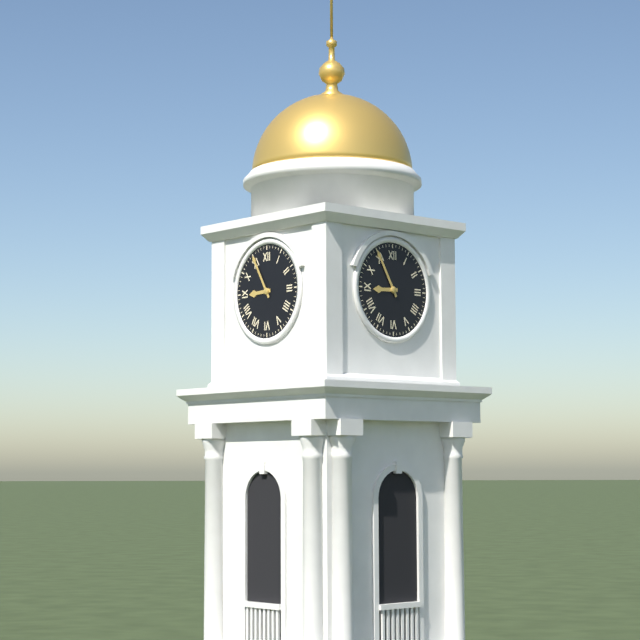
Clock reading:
8 h 55 min
